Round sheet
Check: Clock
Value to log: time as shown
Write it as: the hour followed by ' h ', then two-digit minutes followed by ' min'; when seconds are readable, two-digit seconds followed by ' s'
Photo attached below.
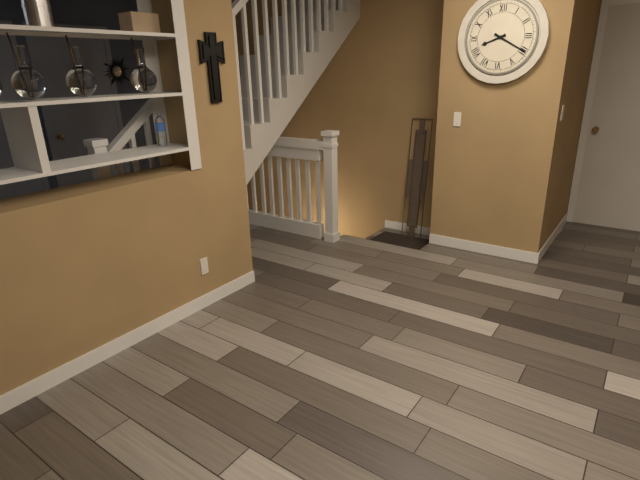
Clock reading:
8 h 20 min
